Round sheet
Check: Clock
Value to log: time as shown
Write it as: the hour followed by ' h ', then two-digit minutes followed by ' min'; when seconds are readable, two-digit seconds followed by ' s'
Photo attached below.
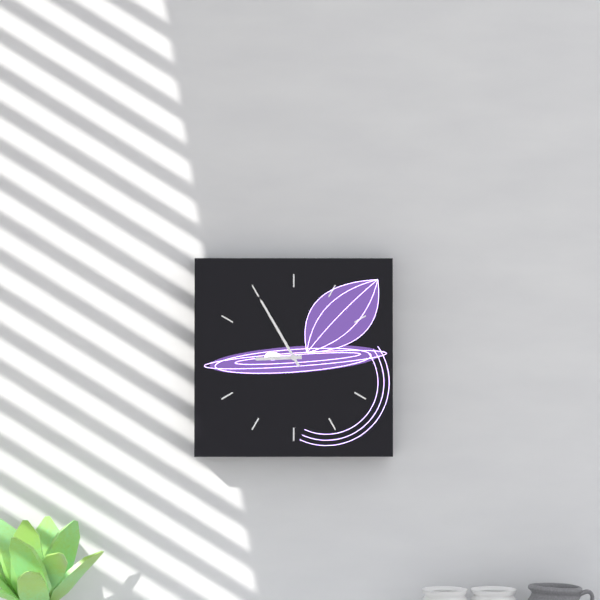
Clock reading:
8 h 55 min
